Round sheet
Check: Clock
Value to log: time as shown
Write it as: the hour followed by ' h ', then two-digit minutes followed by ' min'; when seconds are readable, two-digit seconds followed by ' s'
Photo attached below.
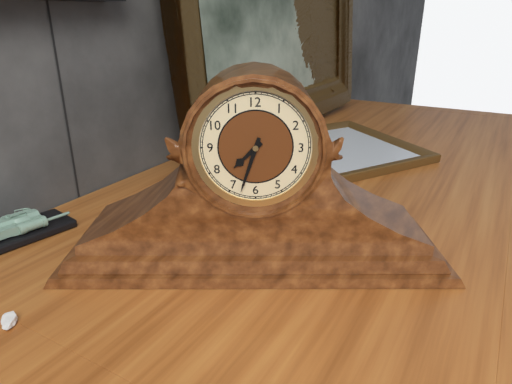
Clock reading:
7 h 33 min
